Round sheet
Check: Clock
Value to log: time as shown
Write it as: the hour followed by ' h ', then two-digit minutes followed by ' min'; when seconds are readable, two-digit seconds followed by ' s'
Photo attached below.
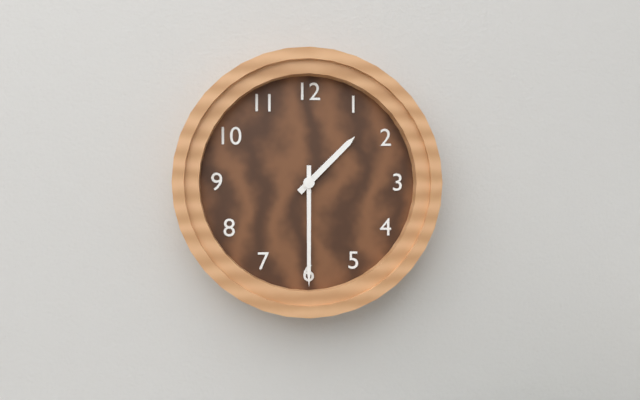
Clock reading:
1 h 30 min
